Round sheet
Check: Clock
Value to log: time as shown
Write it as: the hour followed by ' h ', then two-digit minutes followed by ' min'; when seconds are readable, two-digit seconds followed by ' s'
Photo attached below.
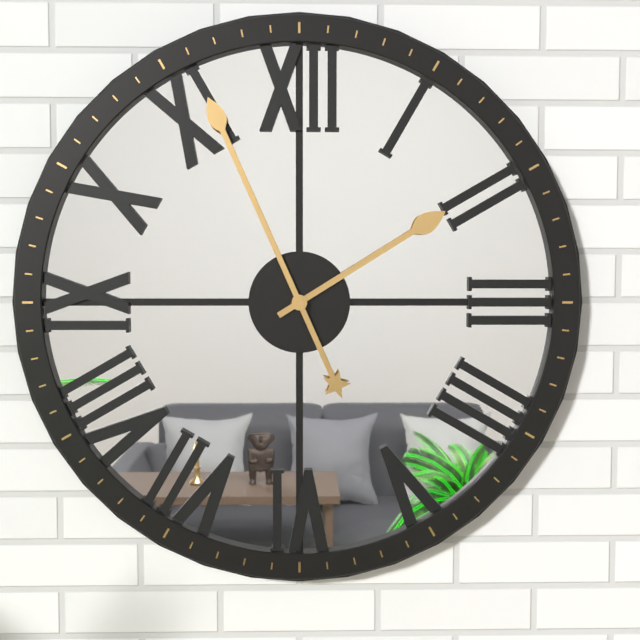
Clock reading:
1 h 56 min
